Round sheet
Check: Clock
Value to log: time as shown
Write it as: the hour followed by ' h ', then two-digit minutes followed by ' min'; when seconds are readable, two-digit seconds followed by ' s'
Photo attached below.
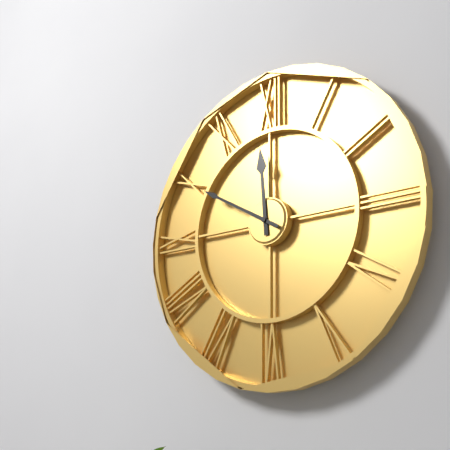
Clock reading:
11 h 50 min
